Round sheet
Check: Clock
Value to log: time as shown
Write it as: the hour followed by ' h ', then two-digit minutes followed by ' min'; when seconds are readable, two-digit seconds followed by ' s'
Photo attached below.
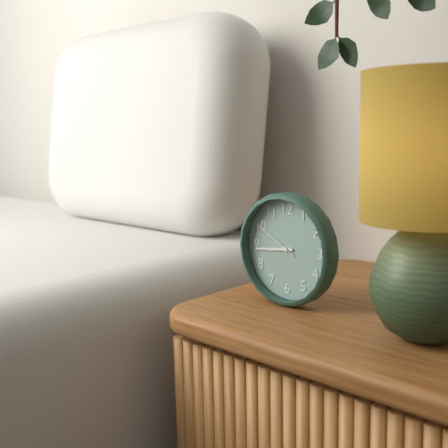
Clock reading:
8 h 44 min
